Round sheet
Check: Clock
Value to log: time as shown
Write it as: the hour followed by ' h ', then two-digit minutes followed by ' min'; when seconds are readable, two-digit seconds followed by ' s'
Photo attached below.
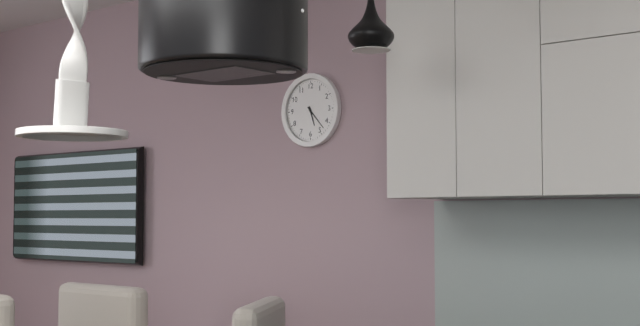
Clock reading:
5 h 23 min
